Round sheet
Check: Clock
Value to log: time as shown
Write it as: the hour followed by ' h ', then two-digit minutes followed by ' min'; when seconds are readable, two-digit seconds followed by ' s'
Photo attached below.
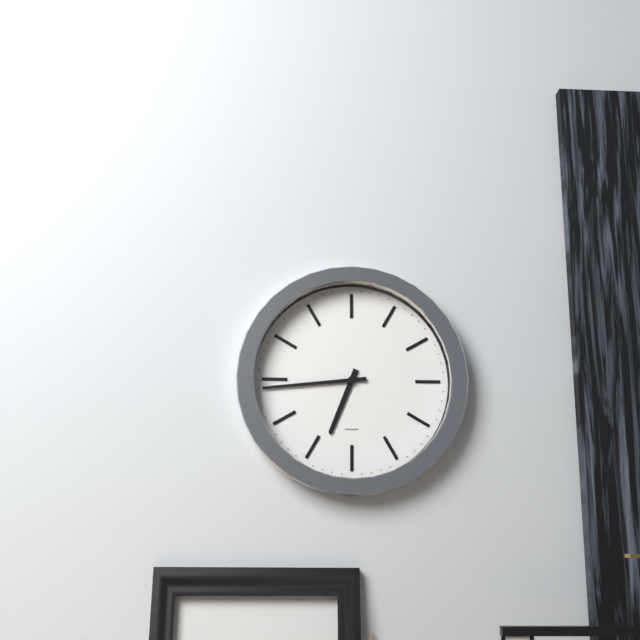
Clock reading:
6 h 44 min
